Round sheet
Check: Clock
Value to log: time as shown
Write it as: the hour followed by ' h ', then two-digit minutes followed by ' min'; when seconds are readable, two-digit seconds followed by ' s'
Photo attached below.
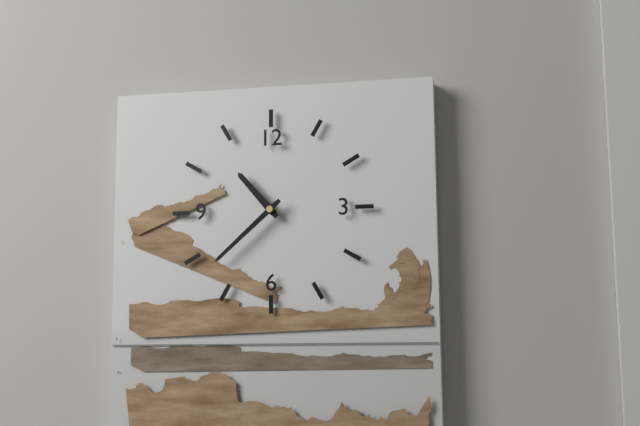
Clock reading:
10 h 38 min
